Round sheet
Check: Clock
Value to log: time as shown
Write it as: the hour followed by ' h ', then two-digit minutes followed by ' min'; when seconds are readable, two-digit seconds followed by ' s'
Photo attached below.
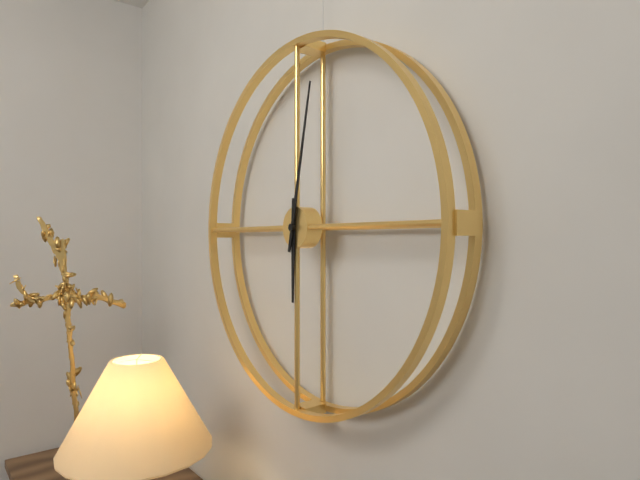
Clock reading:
6 h 02 min
